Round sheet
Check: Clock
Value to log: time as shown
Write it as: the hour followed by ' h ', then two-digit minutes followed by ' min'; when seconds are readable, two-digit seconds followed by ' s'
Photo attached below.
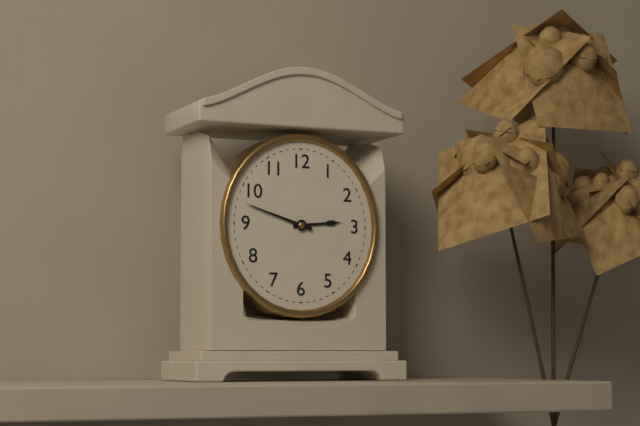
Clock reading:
2 h 48 min
